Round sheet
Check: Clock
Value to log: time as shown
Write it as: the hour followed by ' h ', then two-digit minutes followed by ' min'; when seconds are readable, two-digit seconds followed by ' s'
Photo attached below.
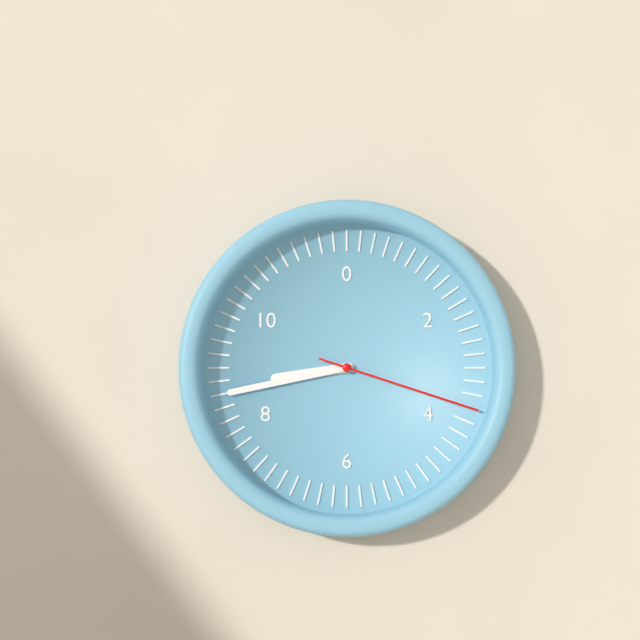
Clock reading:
8 h 43 min 18 s
